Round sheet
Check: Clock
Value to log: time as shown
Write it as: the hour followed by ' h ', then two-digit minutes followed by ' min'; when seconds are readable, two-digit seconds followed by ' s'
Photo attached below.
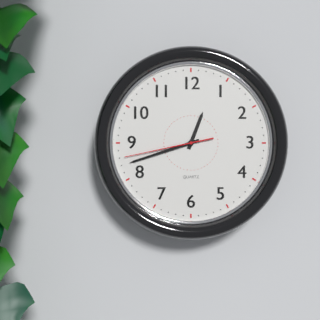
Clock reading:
12 h 42 min 43 s
